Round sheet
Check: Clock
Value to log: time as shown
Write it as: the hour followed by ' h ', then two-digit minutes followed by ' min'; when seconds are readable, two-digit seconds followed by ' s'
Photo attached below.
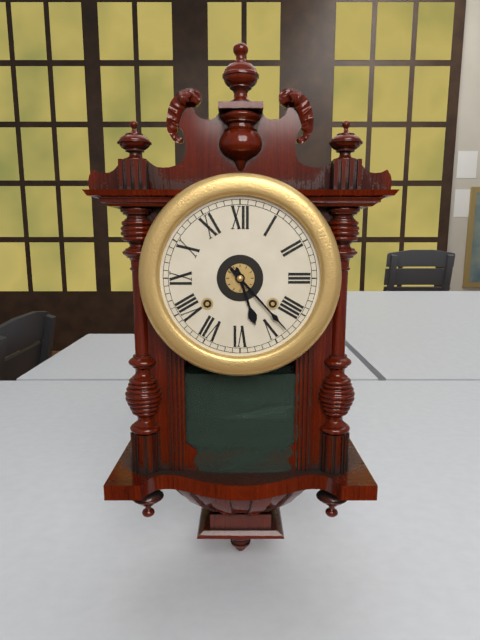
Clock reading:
5 h 23 min
